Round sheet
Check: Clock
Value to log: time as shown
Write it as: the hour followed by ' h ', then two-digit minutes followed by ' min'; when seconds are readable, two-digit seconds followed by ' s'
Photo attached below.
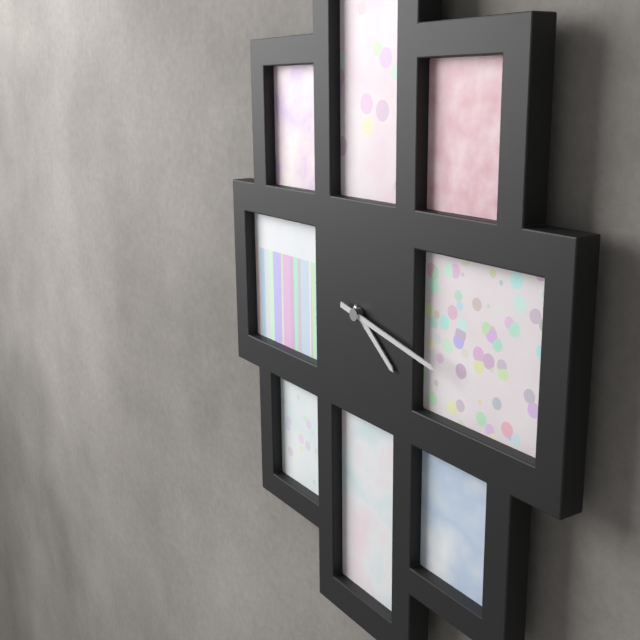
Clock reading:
4 h 17 min
